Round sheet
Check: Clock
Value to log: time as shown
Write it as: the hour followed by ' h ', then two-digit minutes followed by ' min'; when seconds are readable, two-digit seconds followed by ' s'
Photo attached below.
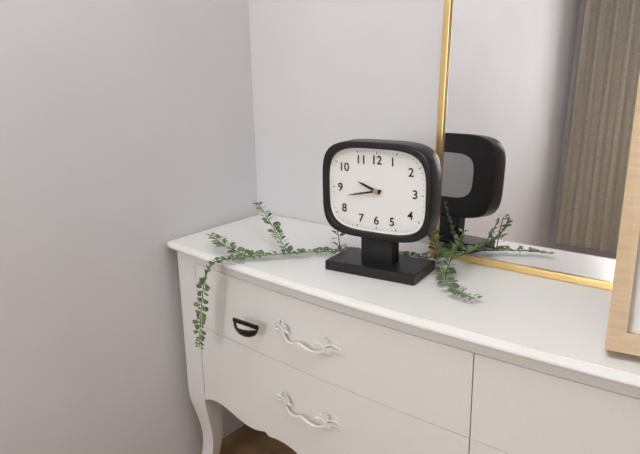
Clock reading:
9 h 43 min
